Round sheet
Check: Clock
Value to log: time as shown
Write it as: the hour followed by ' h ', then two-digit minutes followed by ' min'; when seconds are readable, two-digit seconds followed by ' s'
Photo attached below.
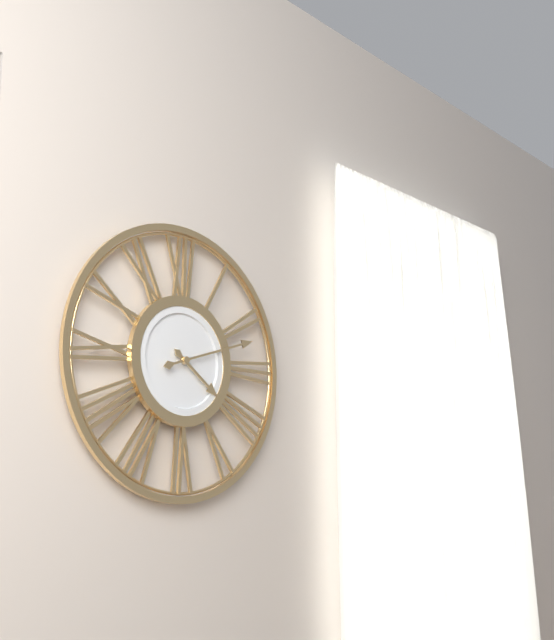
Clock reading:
4 h 12 min
